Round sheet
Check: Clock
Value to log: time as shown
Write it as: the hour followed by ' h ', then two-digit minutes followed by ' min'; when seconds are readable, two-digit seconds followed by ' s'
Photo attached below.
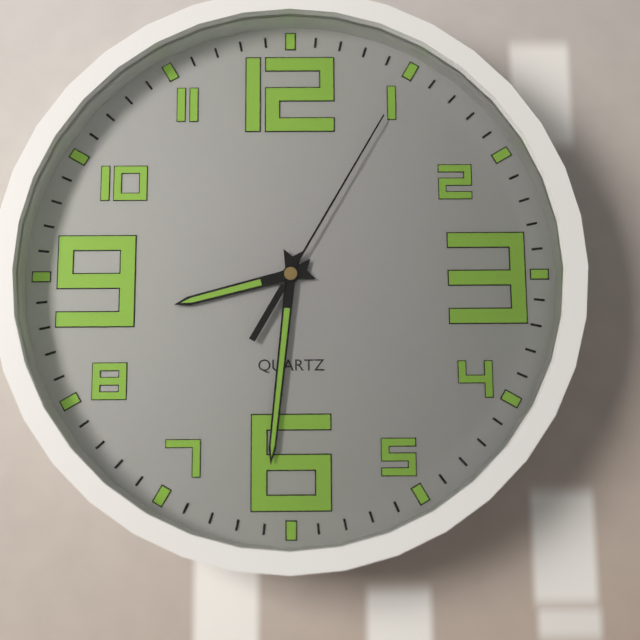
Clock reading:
8 h 31 min 05 s
